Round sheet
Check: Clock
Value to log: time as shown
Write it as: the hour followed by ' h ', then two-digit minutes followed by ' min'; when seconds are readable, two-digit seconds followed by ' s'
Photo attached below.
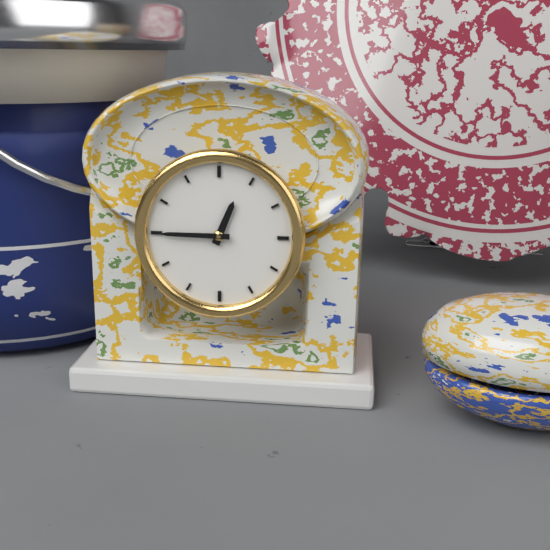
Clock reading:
12 h 45 min
